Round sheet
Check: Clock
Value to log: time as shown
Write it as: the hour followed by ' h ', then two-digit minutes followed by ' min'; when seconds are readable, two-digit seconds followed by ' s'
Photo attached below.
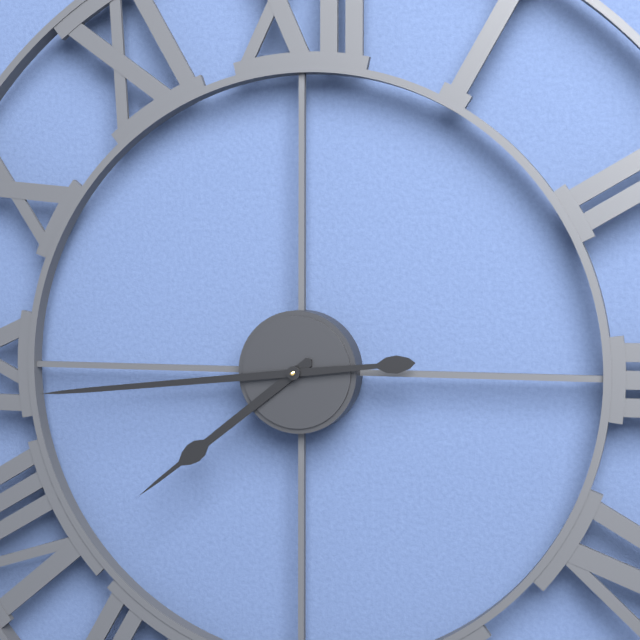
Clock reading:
7 h 44 min
